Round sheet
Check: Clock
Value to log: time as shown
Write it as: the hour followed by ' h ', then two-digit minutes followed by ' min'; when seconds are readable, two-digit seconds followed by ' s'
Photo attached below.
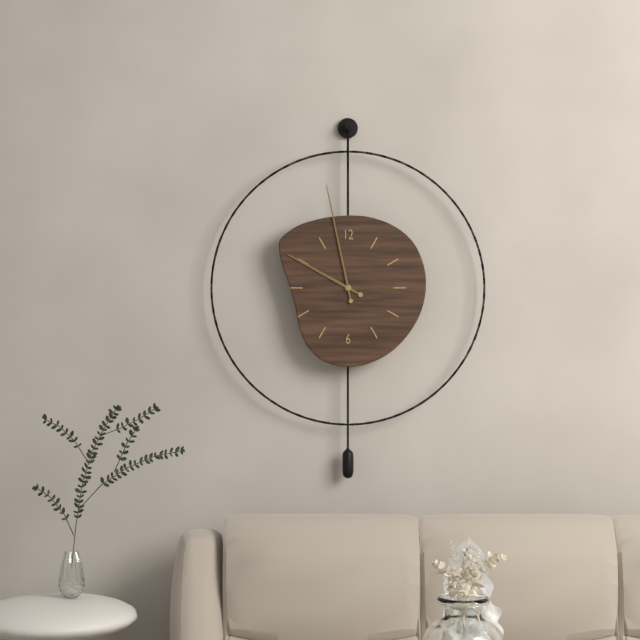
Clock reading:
9 h 58 min
